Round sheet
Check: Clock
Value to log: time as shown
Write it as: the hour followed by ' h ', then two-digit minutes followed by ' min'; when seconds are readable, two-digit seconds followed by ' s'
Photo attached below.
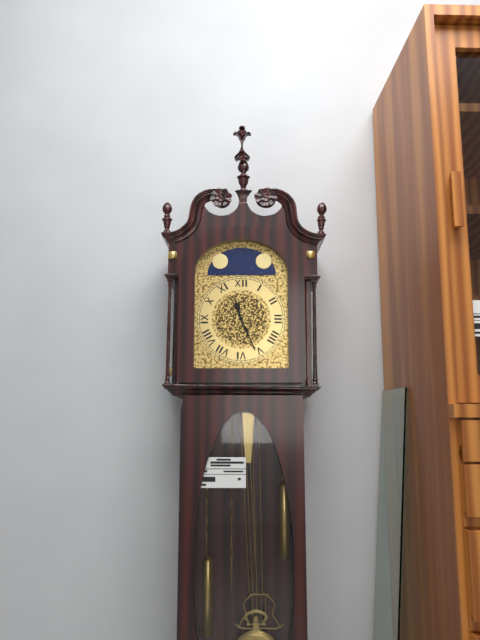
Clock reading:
11 h 26 min
